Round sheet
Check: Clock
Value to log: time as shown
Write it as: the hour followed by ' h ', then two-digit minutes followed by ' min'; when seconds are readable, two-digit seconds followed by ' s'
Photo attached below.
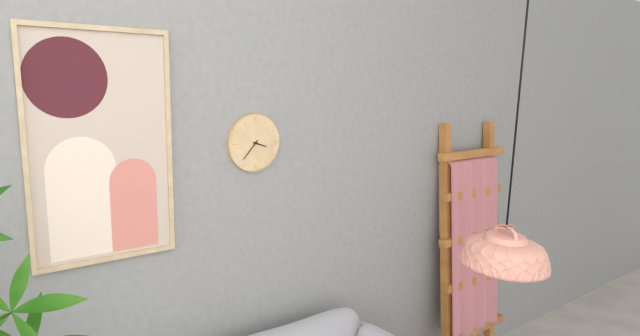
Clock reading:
3 h 37 min
